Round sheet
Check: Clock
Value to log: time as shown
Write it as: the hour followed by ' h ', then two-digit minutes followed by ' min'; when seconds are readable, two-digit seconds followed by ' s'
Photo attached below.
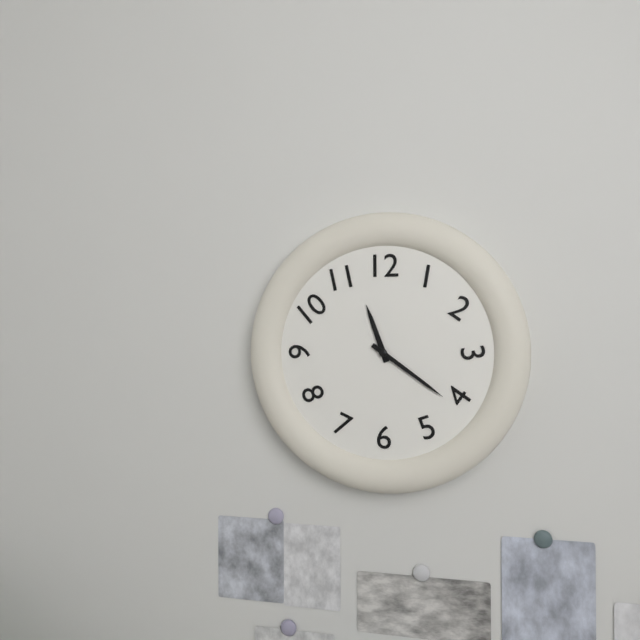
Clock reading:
11 h 21 min
